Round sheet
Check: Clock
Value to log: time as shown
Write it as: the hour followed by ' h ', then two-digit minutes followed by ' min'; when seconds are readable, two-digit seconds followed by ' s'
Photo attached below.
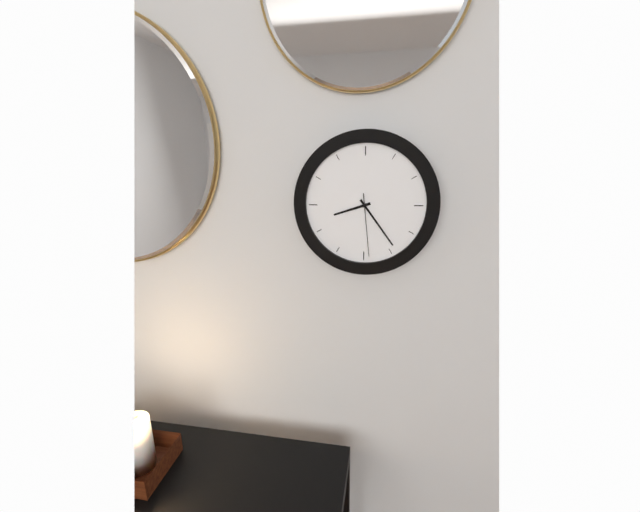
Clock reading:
8 h 24 min 29 s
